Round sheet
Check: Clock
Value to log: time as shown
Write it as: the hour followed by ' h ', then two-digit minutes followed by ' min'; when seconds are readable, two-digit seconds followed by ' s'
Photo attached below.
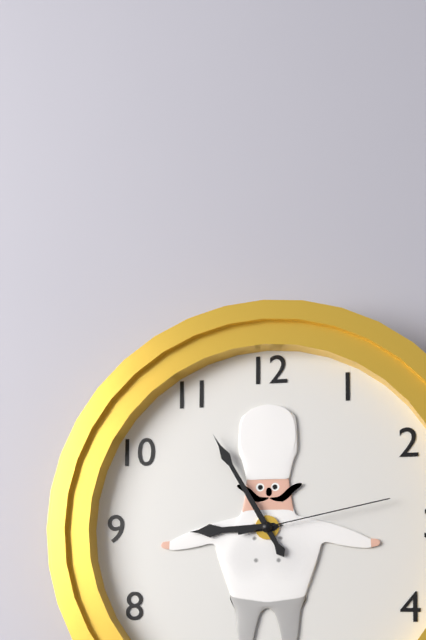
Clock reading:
8 h 55 min 13 s
